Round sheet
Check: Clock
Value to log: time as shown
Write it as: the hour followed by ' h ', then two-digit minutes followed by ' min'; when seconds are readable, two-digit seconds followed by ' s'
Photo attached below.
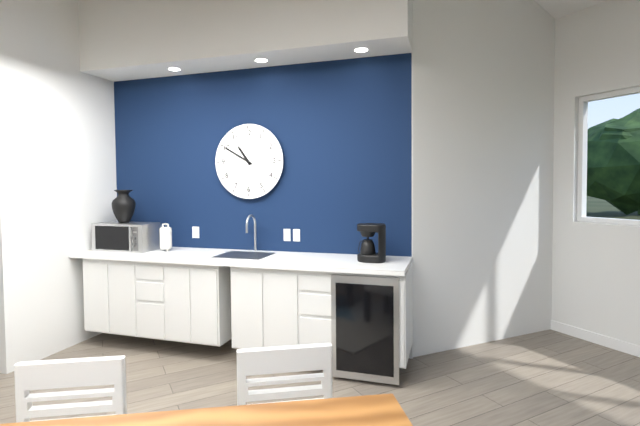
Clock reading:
10 h 50 min
